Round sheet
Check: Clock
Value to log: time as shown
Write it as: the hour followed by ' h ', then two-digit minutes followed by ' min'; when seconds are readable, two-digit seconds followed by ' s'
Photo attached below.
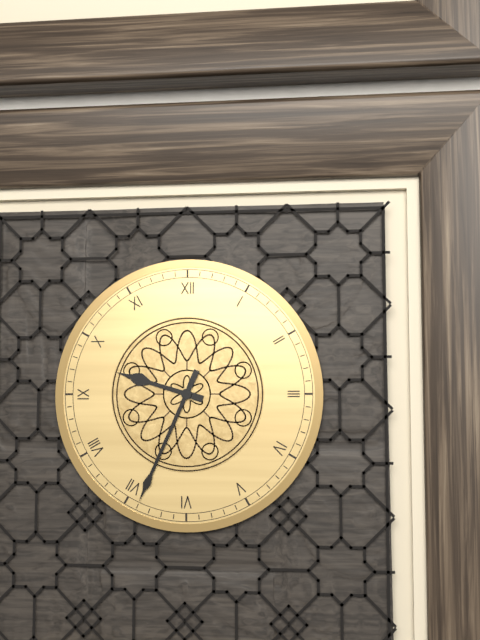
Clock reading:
9 h 34 min
